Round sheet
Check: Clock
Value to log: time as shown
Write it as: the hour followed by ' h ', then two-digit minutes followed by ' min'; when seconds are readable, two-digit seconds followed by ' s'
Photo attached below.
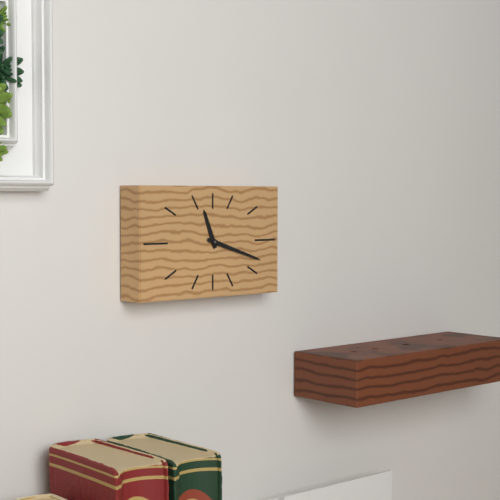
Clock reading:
11 h 18 min
